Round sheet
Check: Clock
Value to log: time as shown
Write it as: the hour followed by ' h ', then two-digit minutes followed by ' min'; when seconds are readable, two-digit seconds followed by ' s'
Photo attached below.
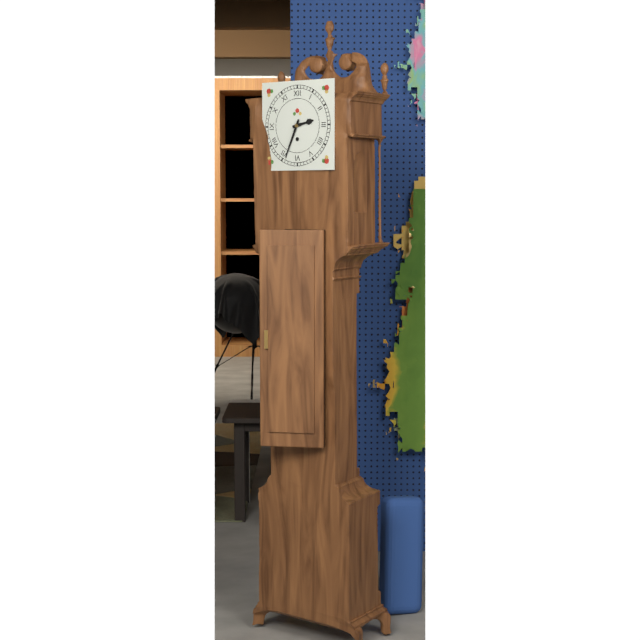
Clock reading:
2 h 34 min
